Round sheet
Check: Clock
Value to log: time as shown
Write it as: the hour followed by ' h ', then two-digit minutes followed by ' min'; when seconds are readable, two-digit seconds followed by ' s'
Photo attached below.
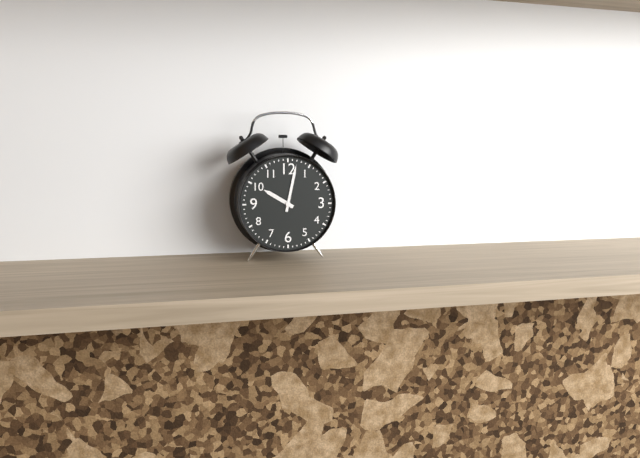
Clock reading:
10 h 02 min
